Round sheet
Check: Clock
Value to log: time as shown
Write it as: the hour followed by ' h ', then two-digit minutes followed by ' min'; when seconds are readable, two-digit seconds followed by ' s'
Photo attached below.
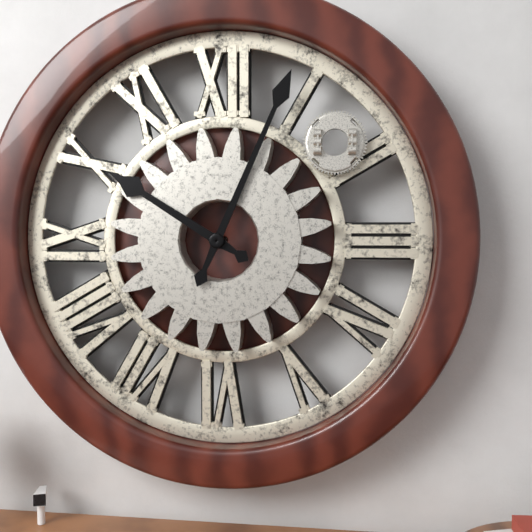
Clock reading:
10 h 04 min
